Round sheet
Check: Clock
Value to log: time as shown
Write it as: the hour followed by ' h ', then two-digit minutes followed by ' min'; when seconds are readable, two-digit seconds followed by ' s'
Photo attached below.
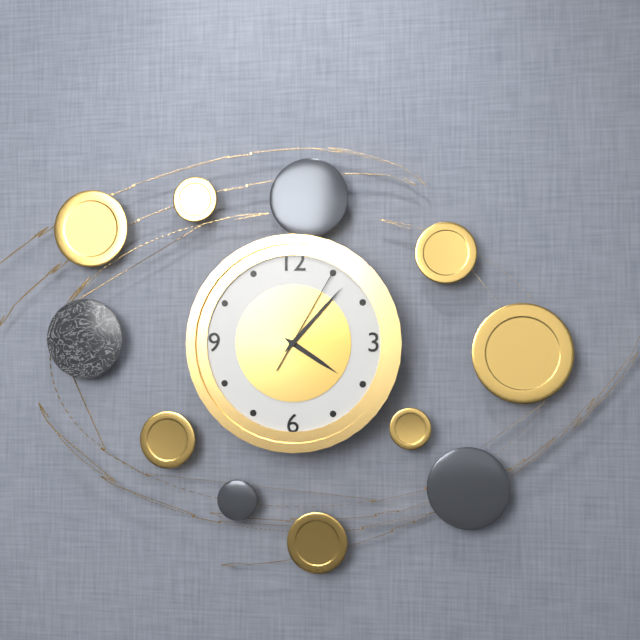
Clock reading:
4 h 07 min 05 s
